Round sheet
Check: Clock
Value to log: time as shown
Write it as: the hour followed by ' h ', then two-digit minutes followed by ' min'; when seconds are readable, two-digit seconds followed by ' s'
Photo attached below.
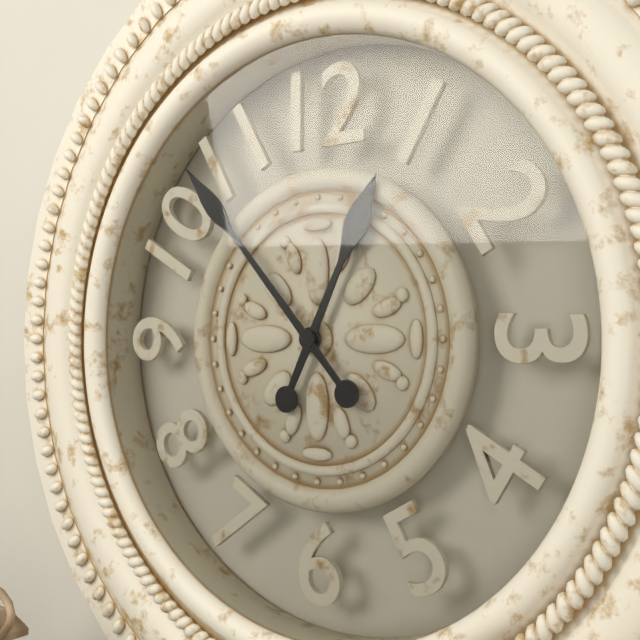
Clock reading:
12 h 53 min
